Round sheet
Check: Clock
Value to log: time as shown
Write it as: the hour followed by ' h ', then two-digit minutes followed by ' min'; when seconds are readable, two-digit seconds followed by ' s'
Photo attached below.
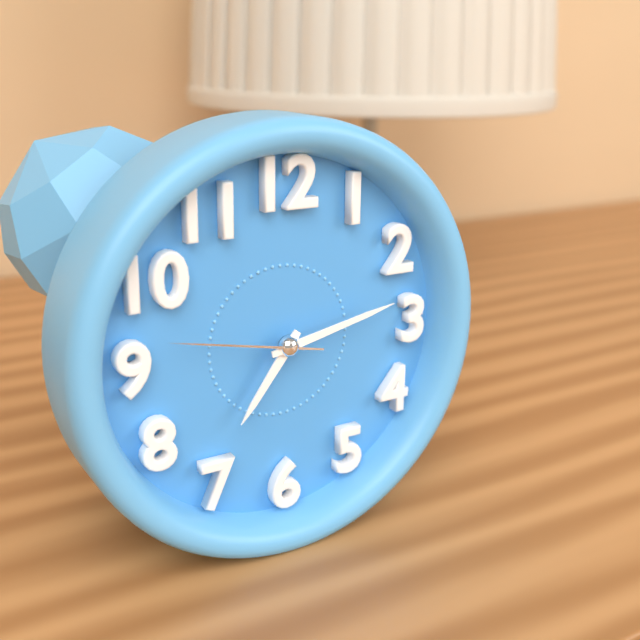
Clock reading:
7 h 13 min 47 s
